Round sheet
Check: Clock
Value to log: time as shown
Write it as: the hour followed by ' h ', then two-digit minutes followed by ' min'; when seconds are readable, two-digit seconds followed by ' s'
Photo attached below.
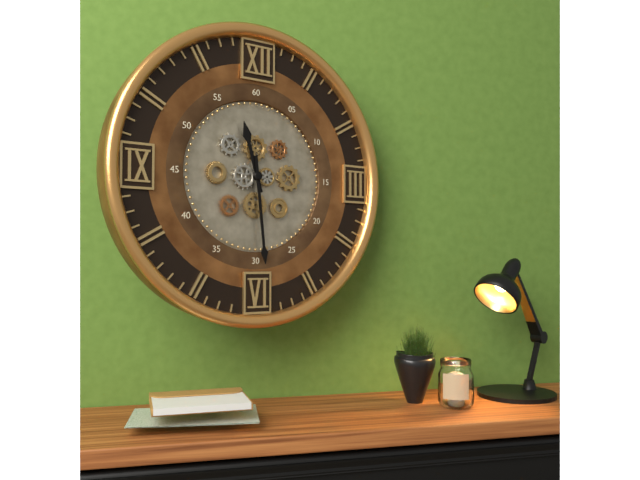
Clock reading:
11 h 29 min
